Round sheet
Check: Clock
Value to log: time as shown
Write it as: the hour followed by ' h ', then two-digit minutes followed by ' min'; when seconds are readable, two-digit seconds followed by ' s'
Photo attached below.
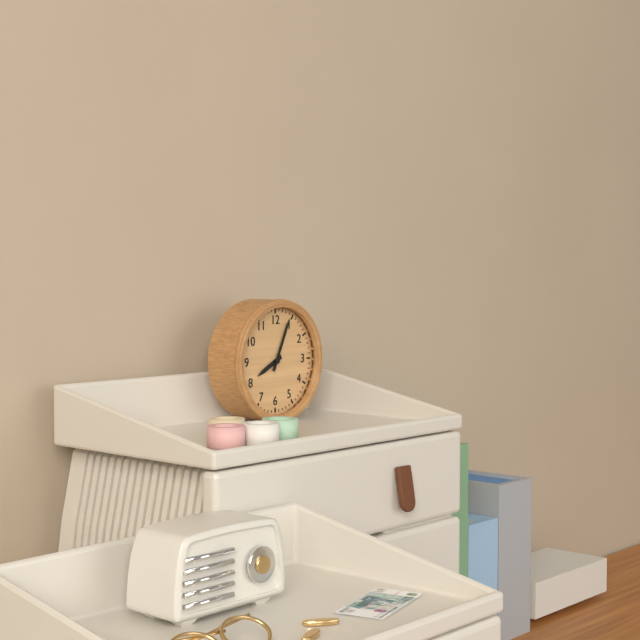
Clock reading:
8 h 04 min
